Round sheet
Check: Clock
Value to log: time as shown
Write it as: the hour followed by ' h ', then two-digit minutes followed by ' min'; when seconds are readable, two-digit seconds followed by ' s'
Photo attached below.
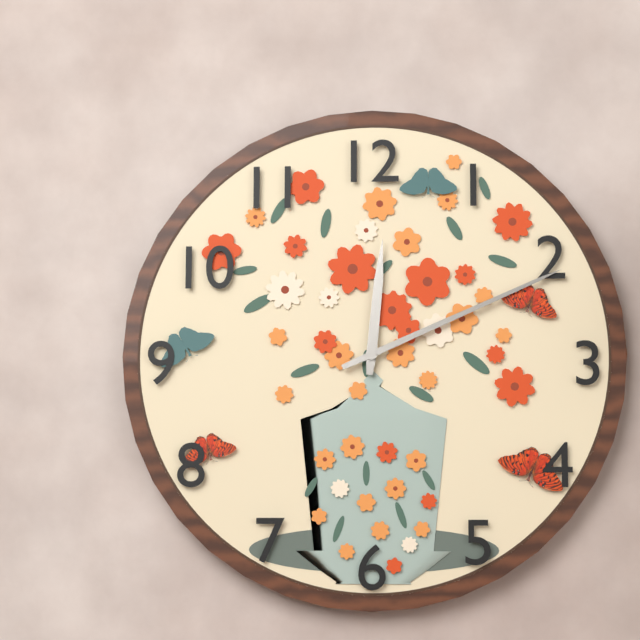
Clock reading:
12 h 11 min
